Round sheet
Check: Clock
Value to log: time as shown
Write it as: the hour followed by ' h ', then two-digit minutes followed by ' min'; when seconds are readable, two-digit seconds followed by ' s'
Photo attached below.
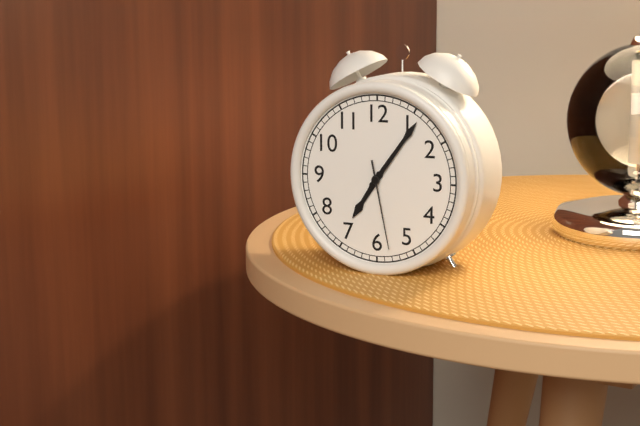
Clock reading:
7 h 06 min 28 s
